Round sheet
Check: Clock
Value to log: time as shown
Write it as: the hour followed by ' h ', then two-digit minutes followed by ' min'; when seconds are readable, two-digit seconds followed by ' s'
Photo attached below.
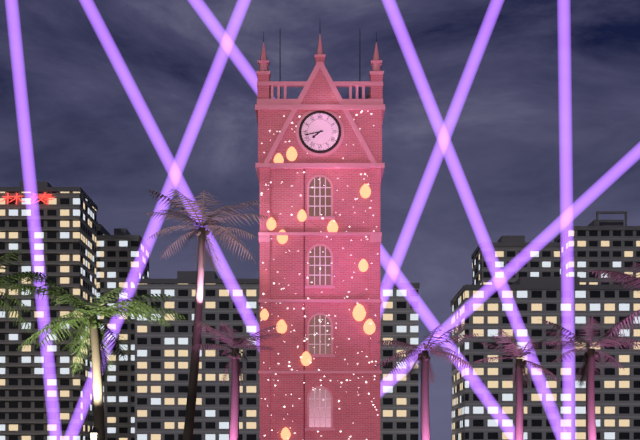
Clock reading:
7 h 43 min
